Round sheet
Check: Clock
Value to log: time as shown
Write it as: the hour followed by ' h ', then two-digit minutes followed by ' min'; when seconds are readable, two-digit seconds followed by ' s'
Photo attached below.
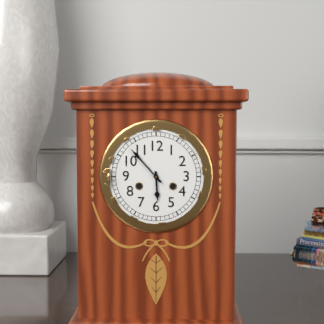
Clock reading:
5 h 53 min
